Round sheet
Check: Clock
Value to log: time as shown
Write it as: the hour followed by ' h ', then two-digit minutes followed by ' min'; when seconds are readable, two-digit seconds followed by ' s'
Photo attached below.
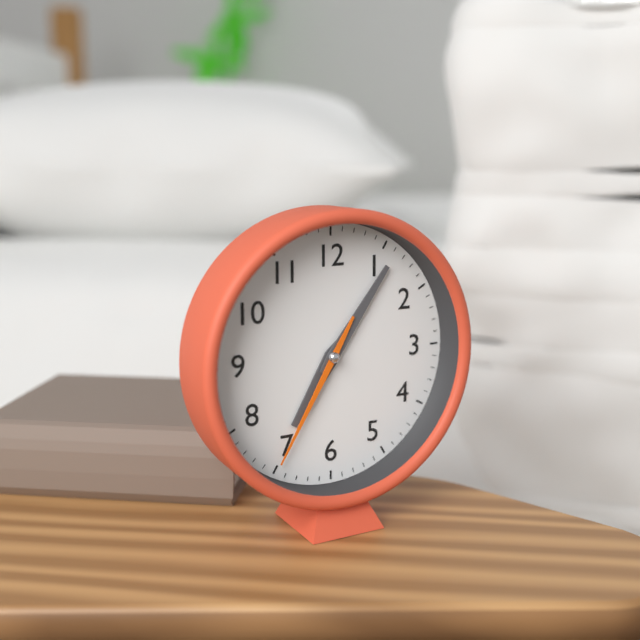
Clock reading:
7 h 06 min 35 s
